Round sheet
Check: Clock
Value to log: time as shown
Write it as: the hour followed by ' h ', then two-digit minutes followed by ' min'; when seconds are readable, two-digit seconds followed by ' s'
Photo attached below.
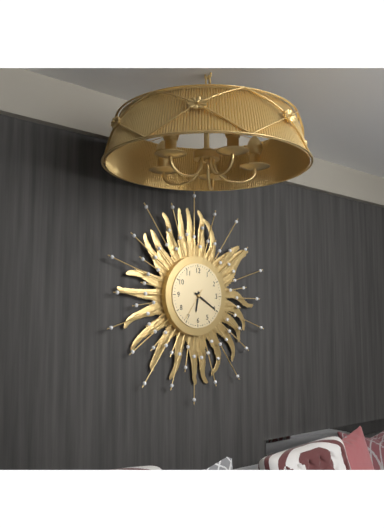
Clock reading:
6 h 20 min
